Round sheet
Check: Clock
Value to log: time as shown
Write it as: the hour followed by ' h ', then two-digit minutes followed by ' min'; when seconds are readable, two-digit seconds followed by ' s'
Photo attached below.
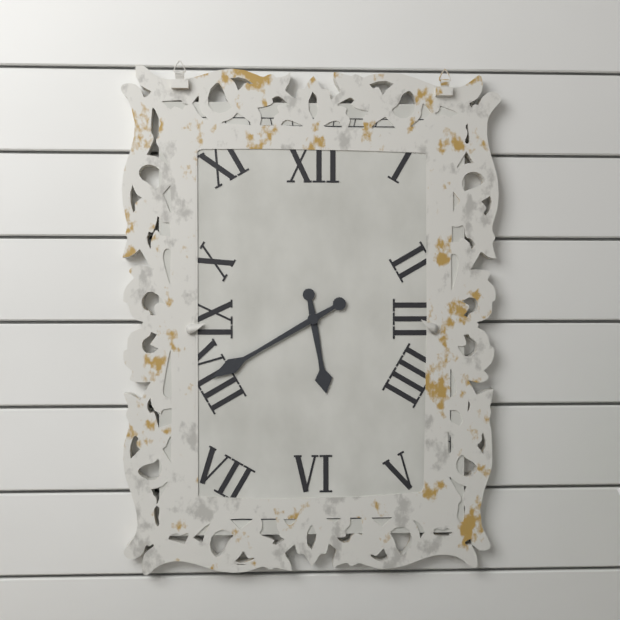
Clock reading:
5 h 40 min
